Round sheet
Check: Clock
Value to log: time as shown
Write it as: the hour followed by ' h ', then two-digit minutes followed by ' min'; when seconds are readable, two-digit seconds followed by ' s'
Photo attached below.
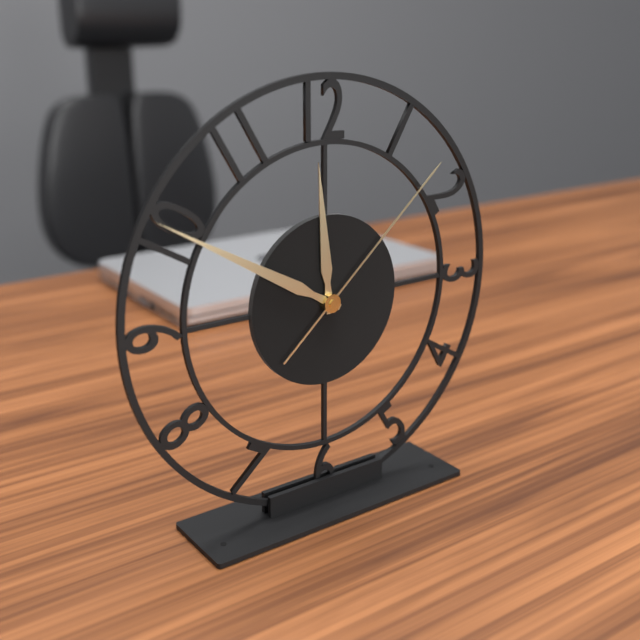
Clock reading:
11 h 50 min 08 s
